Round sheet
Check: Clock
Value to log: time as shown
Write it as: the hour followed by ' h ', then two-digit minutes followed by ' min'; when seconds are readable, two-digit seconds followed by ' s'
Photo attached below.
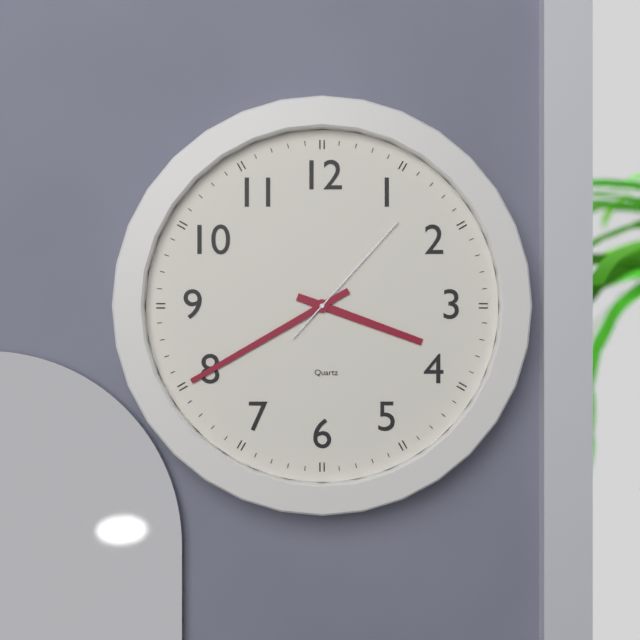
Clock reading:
3 h 40 min 07 s
